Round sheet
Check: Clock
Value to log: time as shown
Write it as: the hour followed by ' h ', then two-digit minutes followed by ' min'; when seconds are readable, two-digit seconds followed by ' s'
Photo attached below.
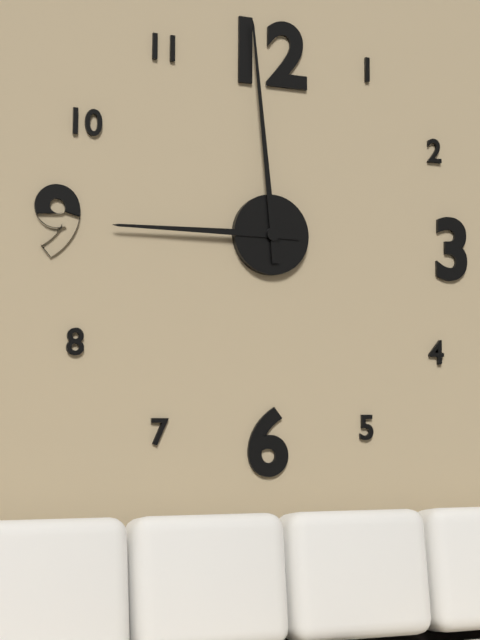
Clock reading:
8 h 59 min
